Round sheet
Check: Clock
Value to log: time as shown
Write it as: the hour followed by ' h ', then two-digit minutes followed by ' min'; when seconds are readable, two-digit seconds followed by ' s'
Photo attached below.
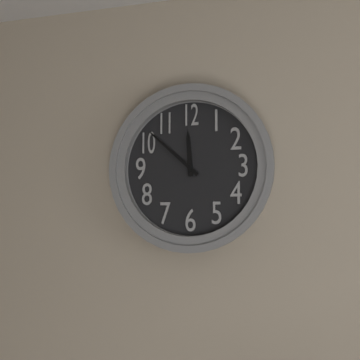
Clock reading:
11 h 52 min
